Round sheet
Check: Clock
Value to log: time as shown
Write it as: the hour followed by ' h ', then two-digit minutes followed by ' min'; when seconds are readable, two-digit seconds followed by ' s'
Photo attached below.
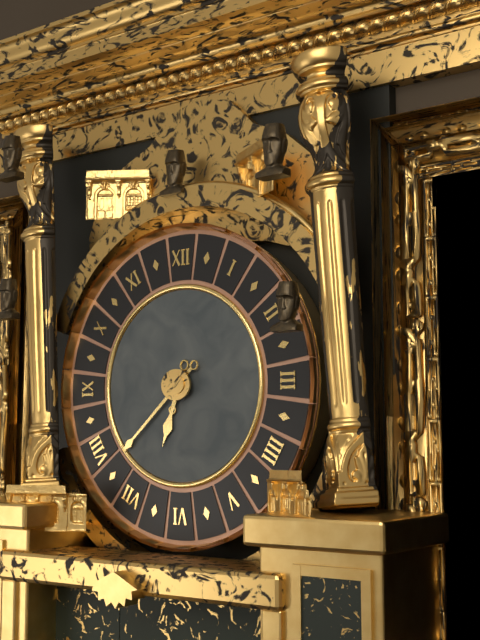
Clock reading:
6 h 38 min
